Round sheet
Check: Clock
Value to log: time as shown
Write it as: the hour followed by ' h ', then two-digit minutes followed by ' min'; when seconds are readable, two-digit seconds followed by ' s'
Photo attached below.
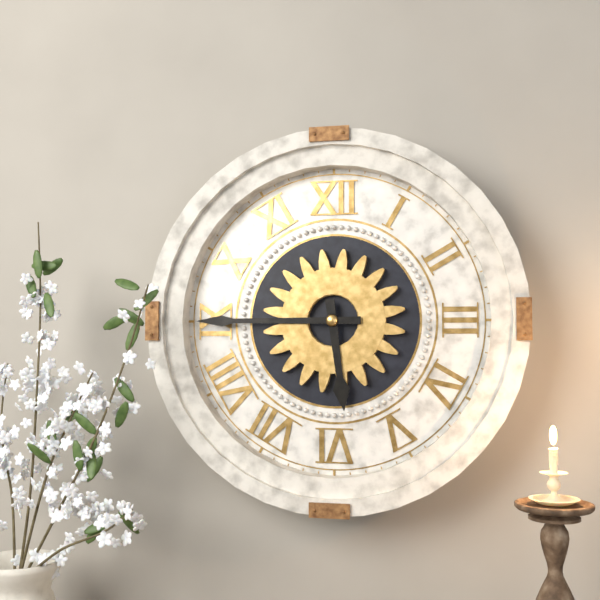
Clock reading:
5 h 45 min
